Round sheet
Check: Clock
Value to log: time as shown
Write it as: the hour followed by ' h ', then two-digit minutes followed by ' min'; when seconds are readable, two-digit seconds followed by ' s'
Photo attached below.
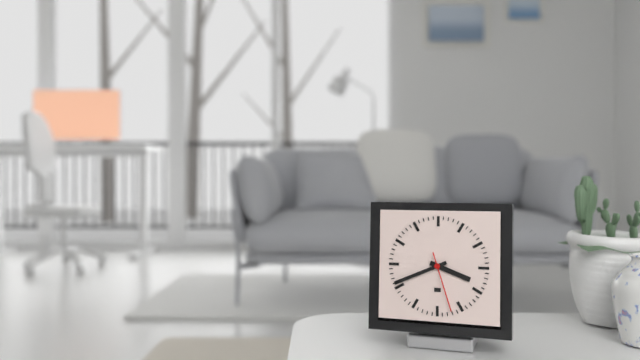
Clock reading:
3 h 41 min 27 s
